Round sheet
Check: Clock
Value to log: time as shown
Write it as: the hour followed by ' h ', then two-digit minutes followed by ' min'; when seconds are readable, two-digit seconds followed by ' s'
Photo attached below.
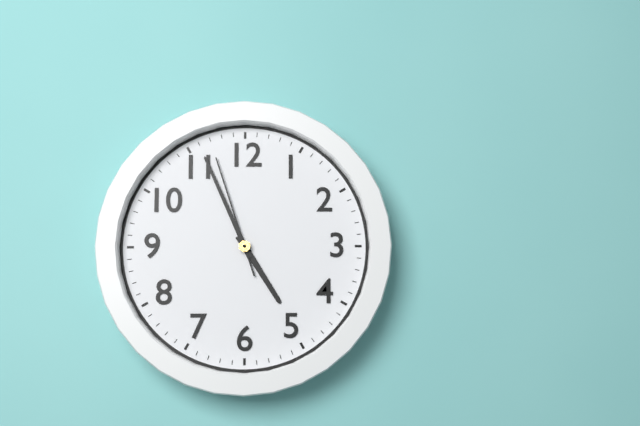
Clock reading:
4 h 56 min 57 s
